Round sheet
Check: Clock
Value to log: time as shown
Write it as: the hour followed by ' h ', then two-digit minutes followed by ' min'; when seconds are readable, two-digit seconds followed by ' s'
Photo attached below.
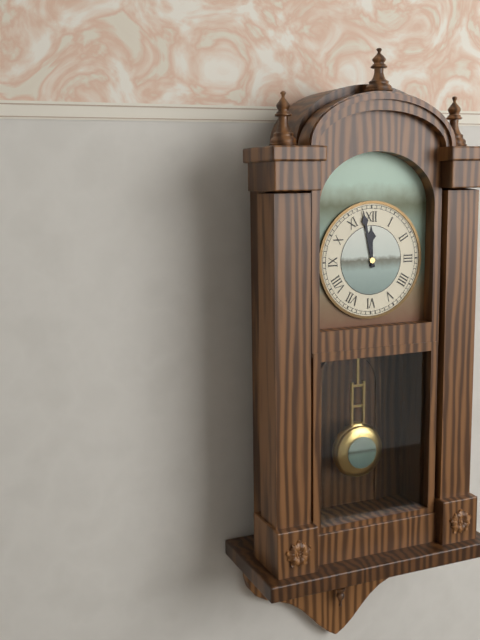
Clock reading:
11 h 58 min
